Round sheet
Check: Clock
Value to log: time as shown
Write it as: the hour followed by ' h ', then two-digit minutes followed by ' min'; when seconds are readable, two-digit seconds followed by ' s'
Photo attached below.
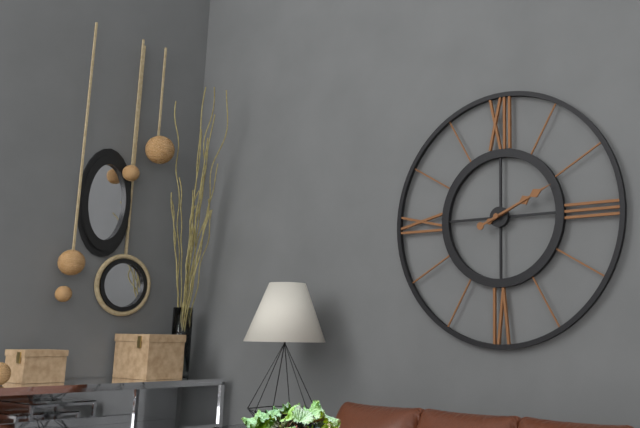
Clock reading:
2 h 11 min
